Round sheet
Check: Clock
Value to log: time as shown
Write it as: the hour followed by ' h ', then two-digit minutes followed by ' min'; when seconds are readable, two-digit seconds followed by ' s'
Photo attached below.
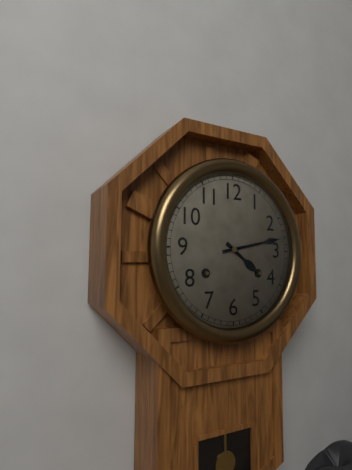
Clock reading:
4 h 13 min
